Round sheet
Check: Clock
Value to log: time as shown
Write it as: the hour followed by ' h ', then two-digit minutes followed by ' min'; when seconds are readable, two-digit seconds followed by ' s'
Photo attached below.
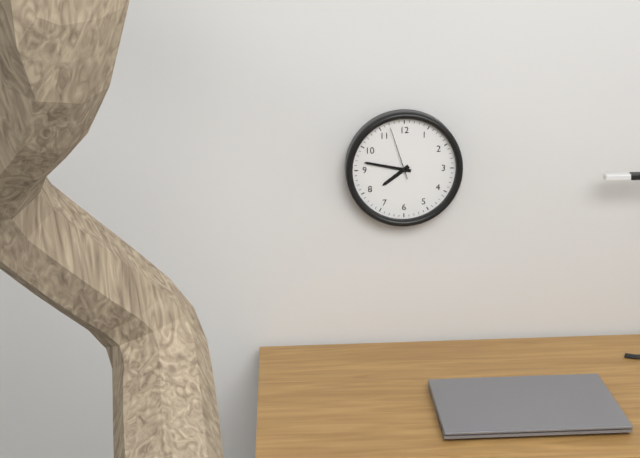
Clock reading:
7 h 47 min 57 s
